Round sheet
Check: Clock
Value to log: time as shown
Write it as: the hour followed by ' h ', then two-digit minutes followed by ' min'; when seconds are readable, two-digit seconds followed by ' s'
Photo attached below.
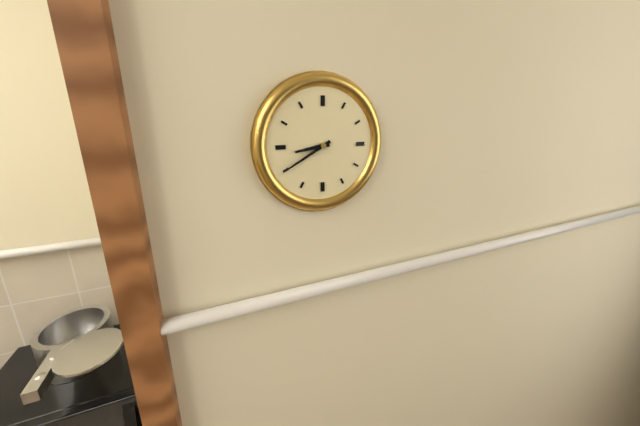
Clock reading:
8 h 40 min
